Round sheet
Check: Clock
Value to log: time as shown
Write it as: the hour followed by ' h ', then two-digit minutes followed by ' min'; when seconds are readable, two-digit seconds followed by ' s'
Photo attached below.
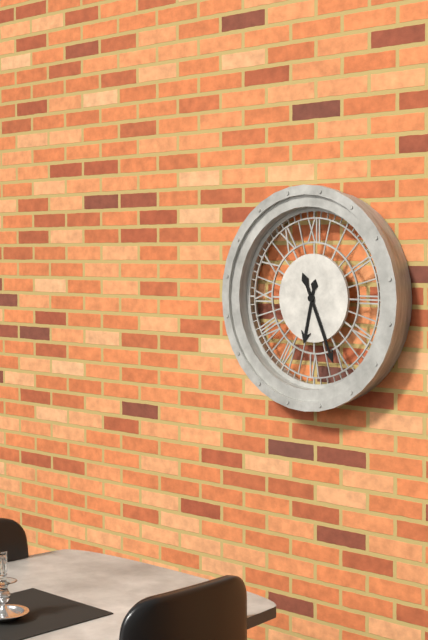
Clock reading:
6 h 26 min
